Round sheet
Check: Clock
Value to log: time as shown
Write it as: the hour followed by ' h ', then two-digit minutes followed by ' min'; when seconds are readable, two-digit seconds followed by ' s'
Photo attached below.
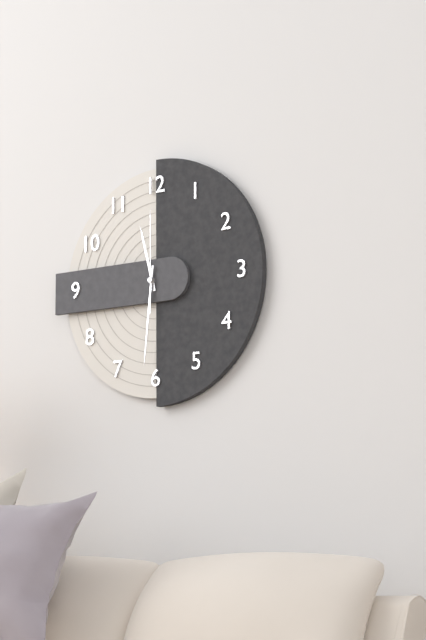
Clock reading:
11 h 31 min 00 s
